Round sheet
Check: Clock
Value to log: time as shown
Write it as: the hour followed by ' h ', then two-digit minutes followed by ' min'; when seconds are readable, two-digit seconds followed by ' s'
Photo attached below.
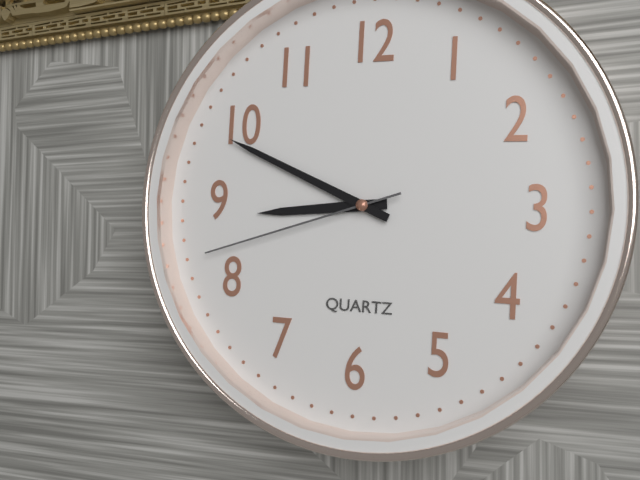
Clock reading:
8 h 49 min 42 s
